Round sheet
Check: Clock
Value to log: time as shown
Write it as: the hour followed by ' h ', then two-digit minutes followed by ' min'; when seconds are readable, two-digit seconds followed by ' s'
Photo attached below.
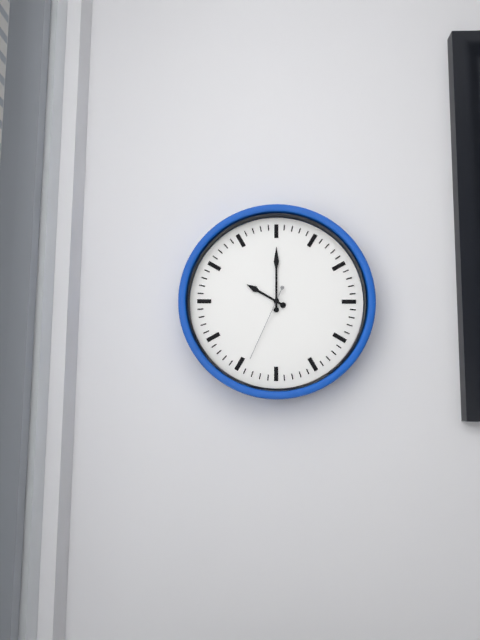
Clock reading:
10 h 00 min 34 s
